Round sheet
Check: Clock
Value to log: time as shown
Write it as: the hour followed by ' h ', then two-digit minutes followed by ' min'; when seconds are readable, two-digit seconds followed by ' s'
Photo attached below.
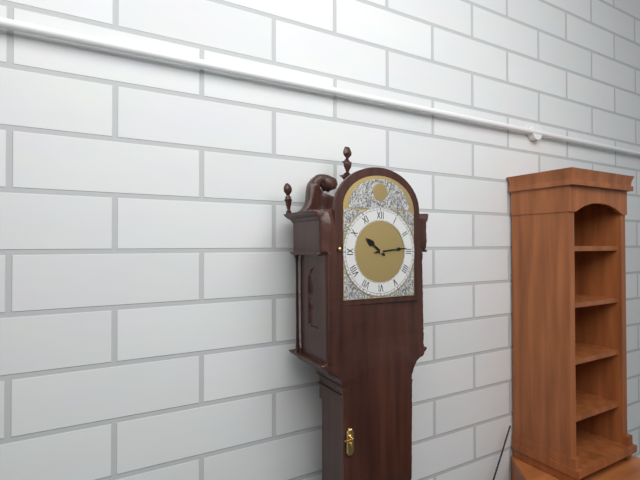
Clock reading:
10 h 14 min
